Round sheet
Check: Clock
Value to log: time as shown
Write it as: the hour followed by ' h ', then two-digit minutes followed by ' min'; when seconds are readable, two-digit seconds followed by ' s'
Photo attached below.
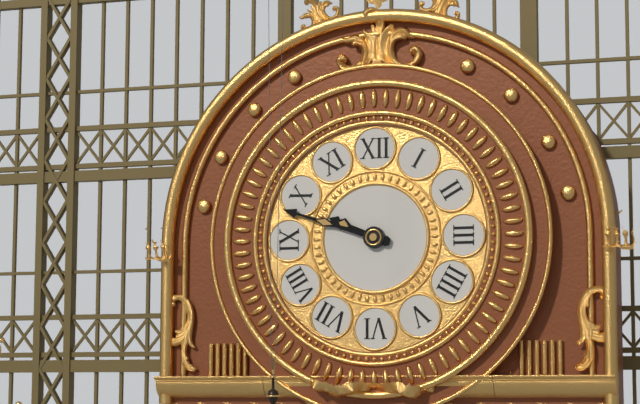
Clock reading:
9 h 48 min
